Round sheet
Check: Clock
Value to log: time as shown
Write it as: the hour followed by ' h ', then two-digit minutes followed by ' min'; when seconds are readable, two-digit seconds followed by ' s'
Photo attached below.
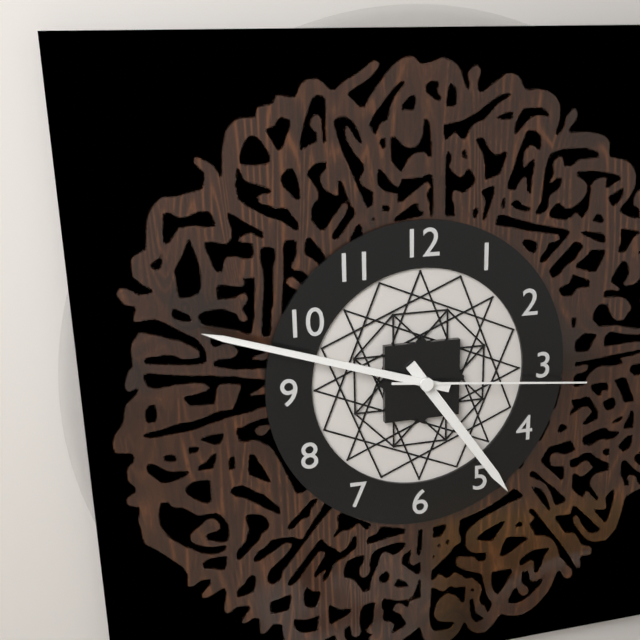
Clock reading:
4 h 48 min 16 s
